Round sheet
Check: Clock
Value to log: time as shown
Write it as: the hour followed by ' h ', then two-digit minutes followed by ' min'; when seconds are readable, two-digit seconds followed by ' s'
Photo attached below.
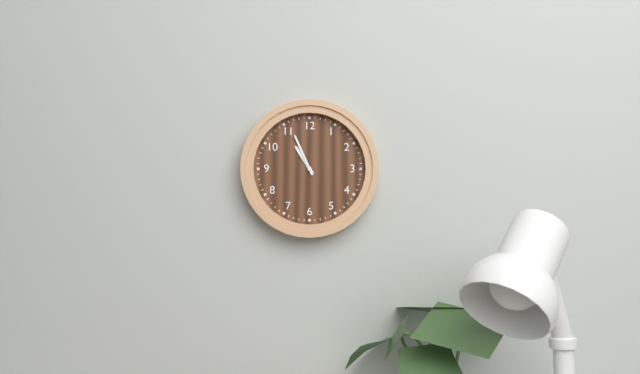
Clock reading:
10 h 56 min
